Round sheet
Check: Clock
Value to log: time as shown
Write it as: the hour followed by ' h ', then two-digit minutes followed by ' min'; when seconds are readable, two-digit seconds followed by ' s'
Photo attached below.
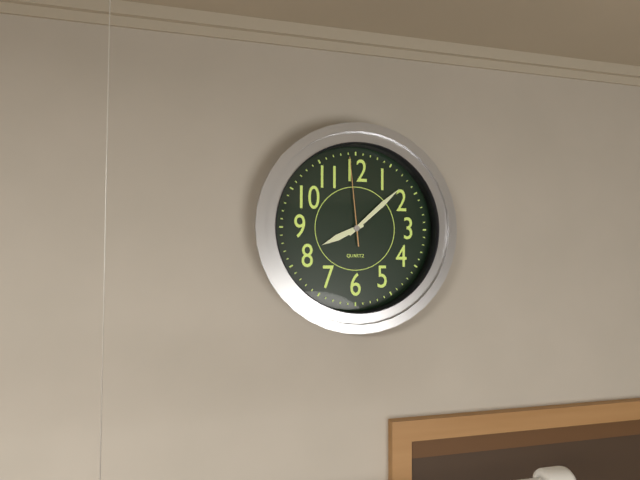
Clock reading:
8 h 08 min 59 s
